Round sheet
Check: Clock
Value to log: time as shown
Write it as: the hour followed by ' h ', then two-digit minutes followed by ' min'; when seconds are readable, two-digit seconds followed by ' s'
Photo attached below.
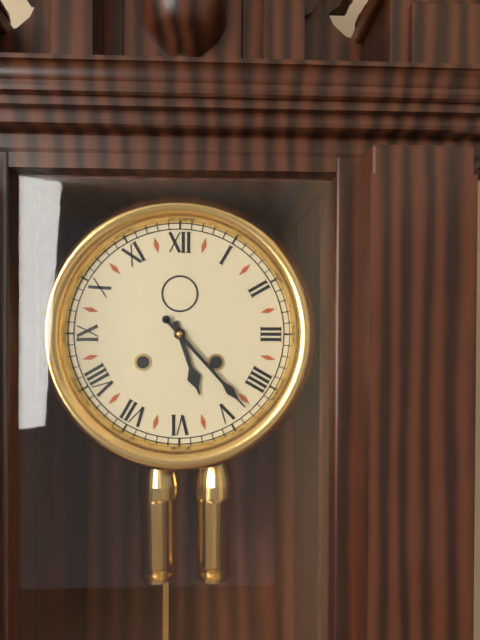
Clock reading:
5 h 23 min
